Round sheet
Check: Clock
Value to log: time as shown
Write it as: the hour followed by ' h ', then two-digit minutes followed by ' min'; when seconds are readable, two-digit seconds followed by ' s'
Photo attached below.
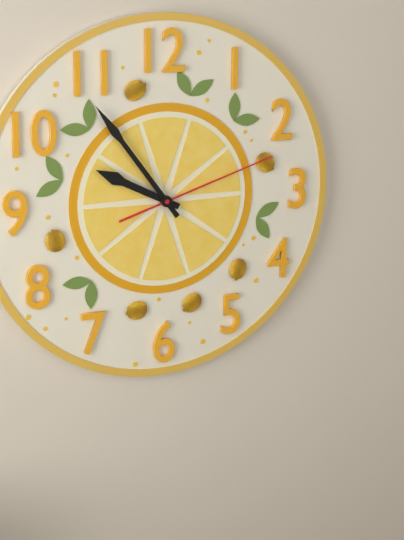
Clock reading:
9 h 54 min 12 s
